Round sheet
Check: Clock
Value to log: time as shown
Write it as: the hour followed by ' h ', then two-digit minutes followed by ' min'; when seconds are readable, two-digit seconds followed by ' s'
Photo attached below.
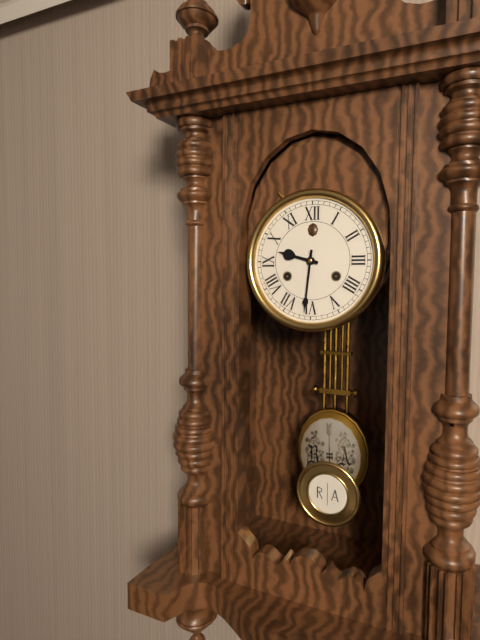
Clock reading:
9 h 31 min
